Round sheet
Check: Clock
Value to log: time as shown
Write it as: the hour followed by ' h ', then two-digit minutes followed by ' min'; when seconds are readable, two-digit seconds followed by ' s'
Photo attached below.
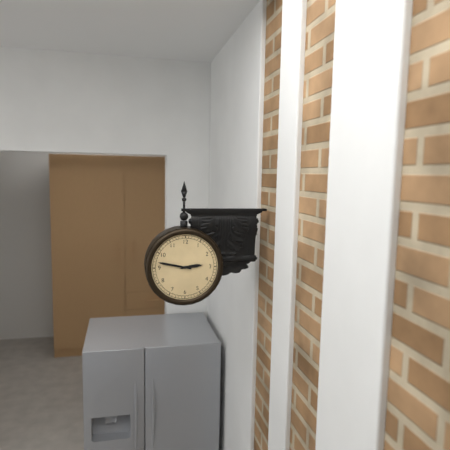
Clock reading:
2 h 47 min
